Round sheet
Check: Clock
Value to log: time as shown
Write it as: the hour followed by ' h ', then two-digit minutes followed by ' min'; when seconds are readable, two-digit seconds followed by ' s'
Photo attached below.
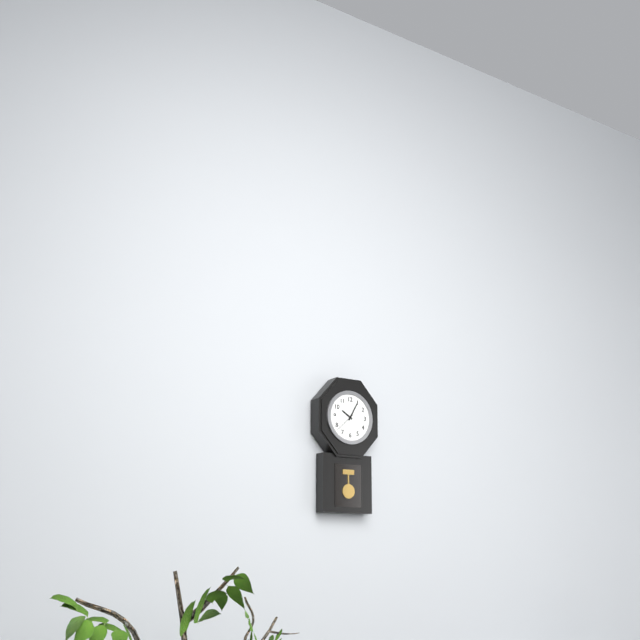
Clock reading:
10 h 05 min
